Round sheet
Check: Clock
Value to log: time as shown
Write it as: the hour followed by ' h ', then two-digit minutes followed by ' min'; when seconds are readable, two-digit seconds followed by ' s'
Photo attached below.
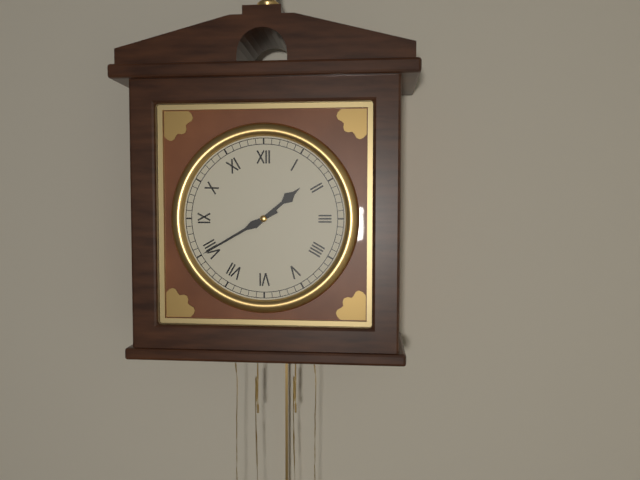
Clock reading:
1 h 40 min
